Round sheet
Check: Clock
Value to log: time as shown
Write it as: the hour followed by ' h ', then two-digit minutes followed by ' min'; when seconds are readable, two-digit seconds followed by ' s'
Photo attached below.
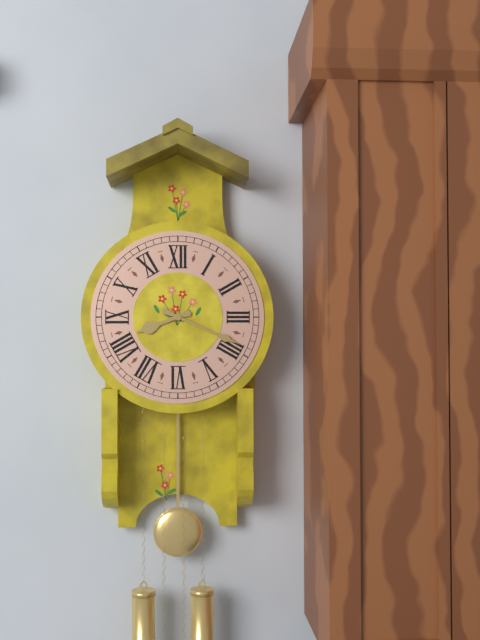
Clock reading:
8 h 19 min
